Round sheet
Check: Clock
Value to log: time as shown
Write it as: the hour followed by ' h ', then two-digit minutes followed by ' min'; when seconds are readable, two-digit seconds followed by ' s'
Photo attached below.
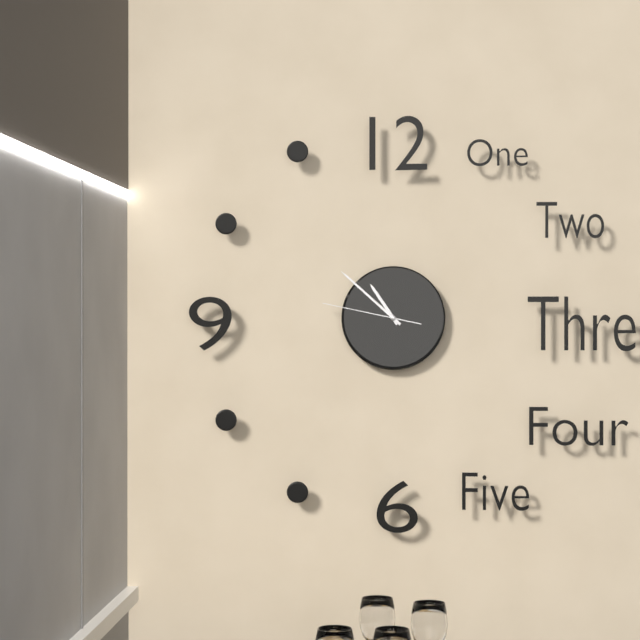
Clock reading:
10 h 52 min 47 s
